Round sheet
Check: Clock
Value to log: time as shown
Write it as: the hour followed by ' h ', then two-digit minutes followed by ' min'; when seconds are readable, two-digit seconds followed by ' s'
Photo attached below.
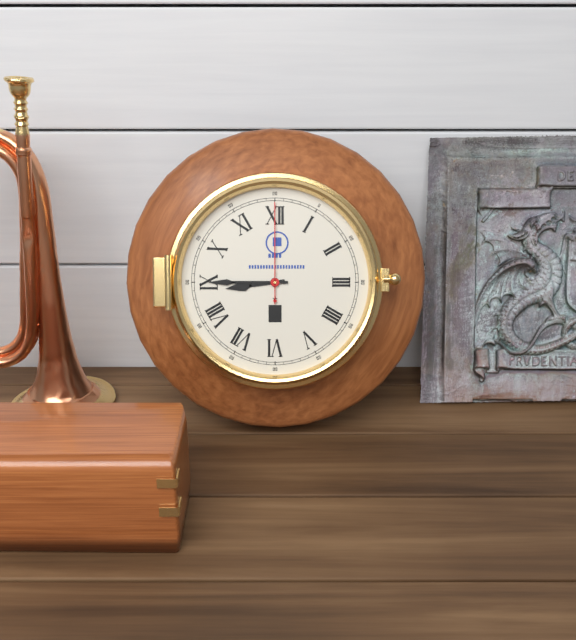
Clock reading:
8 h 45 min 00 s
